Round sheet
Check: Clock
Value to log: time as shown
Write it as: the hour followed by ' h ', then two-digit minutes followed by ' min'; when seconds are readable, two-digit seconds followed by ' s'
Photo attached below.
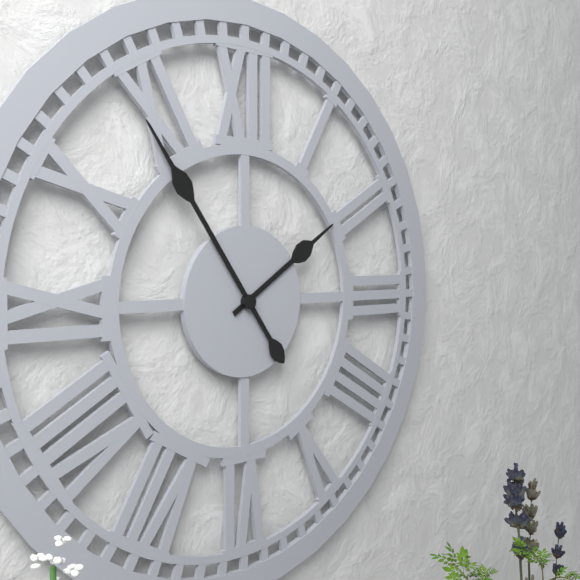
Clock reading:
1 h 54 min
